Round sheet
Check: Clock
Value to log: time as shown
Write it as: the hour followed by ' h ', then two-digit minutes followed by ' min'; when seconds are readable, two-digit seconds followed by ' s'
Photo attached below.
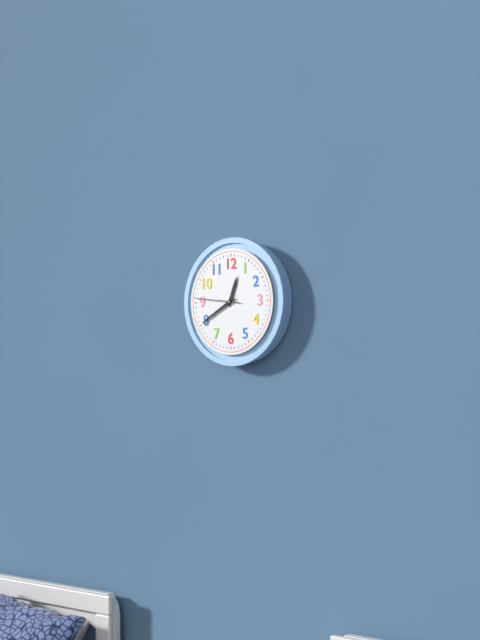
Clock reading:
12 h 40 min
